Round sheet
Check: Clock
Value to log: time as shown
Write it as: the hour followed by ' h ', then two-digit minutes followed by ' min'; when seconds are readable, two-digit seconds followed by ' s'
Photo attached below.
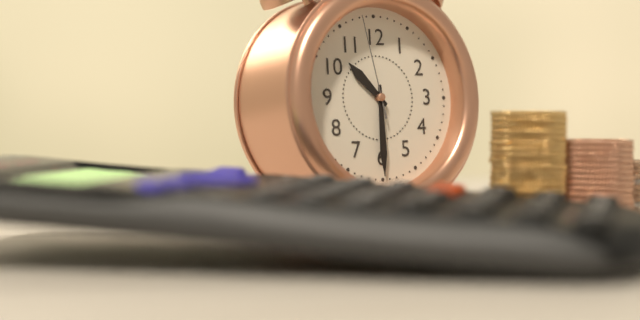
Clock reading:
10 h 30 min 58 s
